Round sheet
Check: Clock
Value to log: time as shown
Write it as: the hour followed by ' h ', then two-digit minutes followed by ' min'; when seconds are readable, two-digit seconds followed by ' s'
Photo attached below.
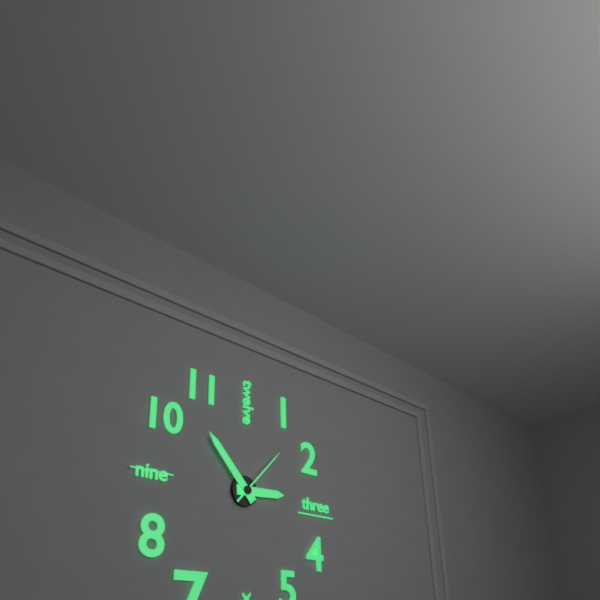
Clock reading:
2 h 53 min 07 s
